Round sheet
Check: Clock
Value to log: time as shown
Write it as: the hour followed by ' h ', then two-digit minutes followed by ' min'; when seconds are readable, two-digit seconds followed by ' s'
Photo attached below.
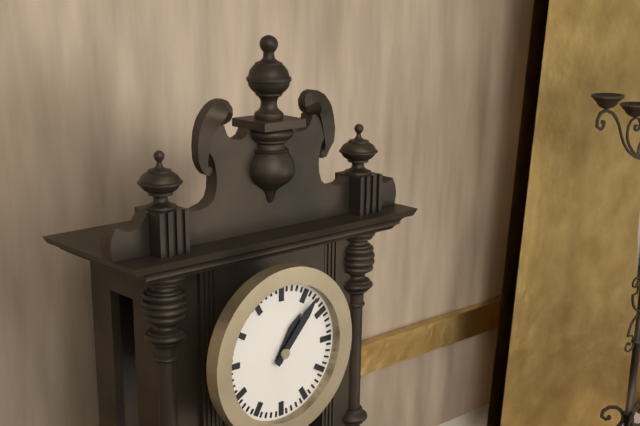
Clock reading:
1 h 07 min
